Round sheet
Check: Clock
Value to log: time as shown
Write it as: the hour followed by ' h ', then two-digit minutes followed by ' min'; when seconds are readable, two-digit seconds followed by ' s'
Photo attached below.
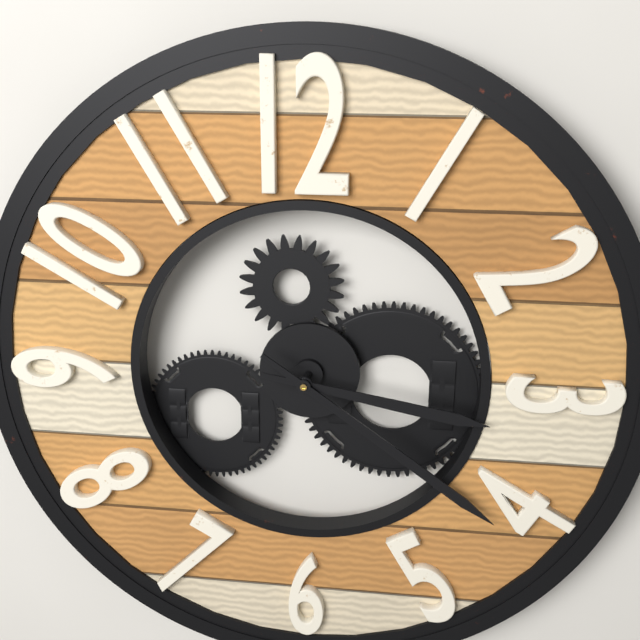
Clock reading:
3 h 21 min
